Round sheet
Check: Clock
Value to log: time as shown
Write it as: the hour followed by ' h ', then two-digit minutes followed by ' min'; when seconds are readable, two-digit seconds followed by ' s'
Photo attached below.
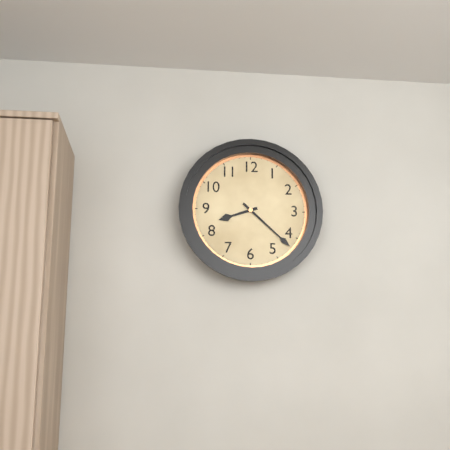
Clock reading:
8 h 22 min
